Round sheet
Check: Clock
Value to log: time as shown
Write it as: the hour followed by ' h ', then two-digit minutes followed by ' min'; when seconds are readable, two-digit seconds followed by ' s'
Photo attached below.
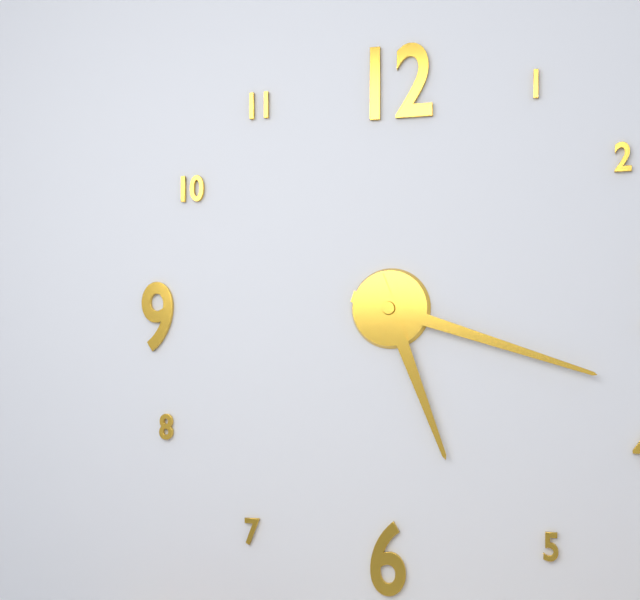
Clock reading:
5 h 18 min
